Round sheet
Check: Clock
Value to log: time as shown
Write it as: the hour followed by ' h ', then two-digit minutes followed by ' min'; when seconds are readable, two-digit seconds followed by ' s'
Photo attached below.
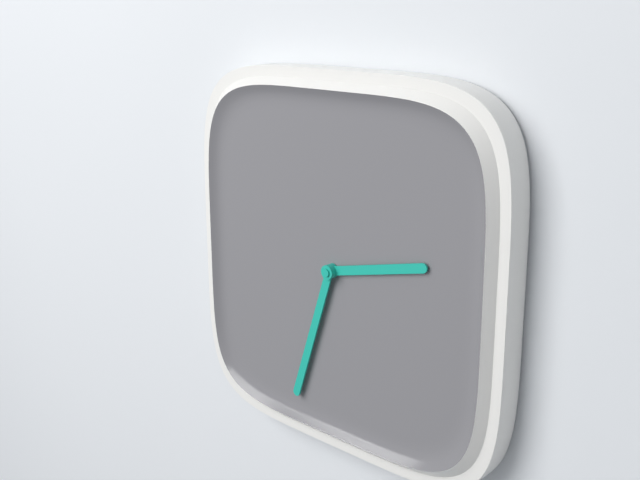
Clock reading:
2 h 33 min
